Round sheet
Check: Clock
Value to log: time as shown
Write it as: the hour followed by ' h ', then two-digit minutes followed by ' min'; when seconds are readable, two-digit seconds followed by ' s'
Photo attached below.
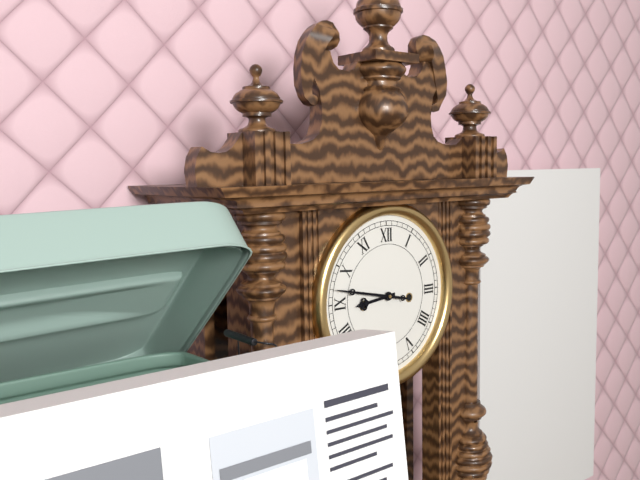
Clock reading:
8 h 47 min
